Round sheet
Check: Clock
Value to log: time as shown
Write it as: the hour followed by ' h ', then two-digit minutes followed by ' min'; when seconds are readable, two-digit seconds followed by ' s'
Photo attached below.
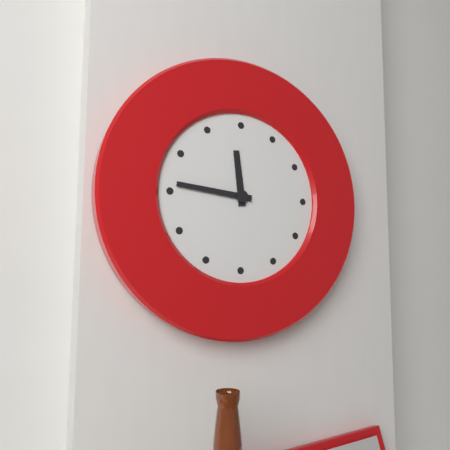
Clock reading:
11 h 46 min
